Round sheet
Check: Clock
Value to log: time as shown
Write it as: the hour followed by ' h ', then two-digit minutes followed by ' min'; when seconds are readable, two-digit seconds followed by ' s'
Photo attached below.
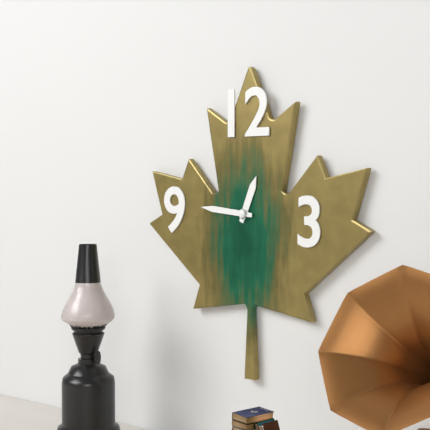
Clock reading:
12 h 46 min
